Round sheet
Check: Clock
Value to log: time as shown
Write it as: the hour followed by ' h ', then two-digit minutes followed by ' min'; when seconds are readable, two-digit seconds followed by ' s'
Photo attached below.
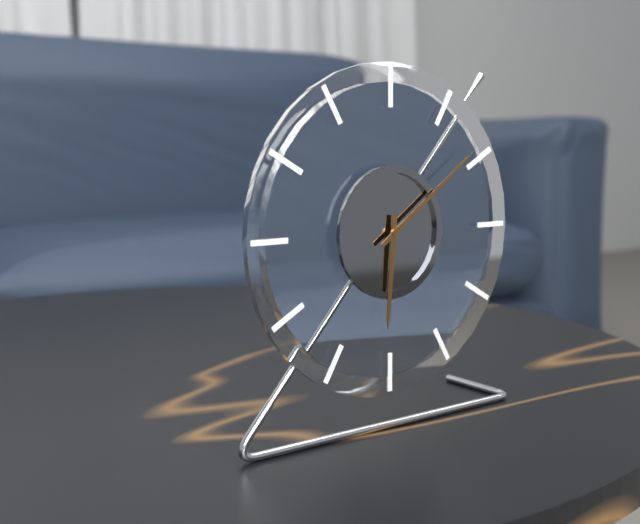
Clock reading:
6 h 09 min
